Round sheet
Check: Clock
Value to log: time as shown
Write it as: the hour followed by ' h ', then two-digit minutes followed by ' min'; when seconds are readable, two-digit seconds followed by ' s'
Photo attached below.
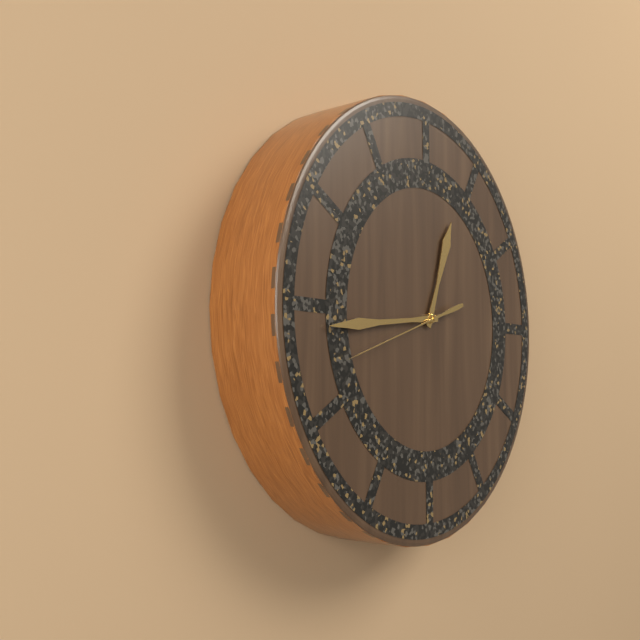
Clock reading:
12 h 44 min 42 s
